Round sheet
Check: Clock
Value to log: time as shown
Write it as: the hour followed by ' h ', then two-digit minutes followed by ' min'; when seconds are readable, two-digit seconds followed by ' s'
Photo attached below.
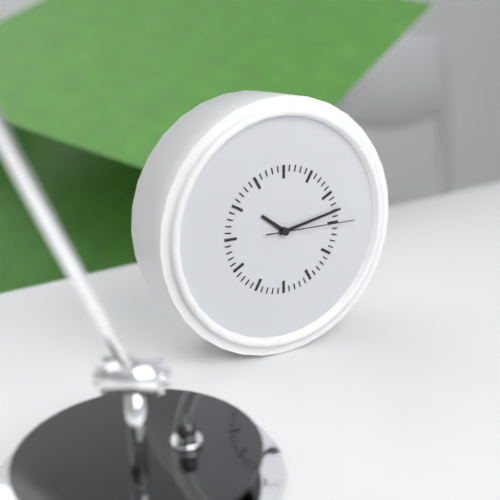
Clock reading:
10 h 13 min 15 s
